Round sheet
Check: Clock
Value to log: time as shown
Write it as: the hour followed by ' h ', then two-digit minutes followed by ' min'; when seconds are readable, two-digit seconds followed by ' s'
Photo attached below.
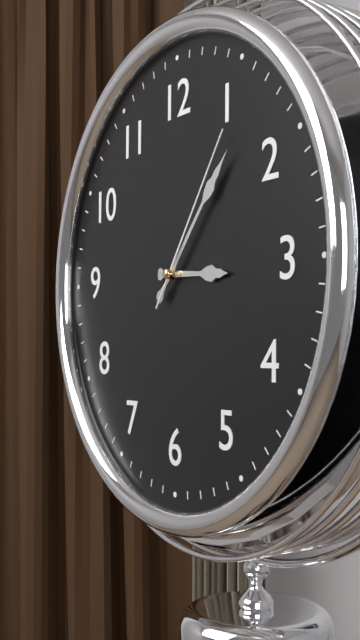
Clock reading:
3 h 07 min 06 s
